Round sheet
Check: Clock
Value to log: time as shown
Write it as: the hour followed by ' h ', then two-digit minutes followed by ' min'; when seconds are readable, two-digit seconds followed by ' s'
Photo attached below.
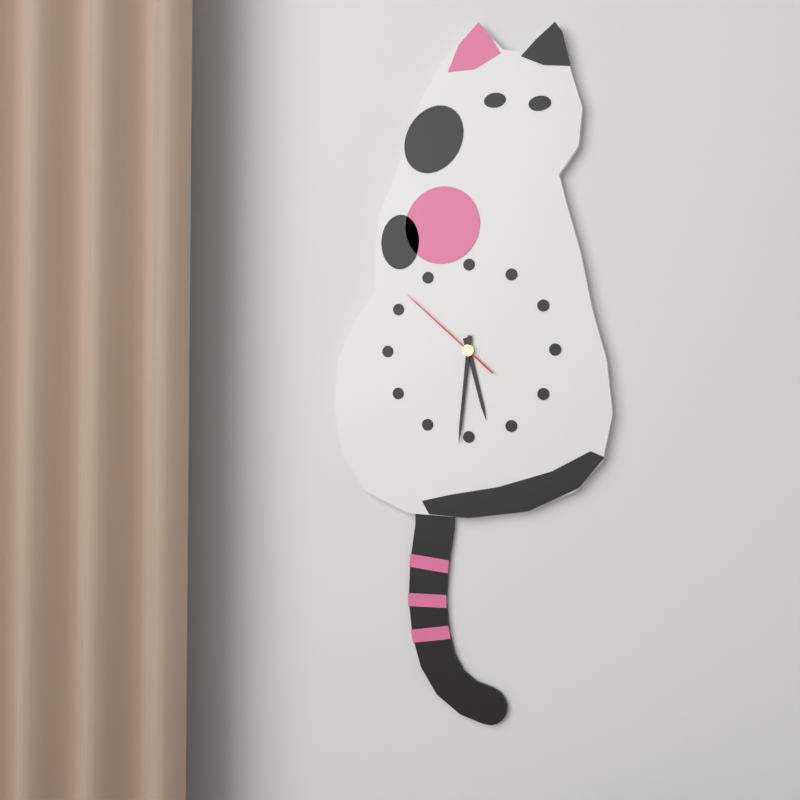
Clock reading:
5 h 31 min 52 s
